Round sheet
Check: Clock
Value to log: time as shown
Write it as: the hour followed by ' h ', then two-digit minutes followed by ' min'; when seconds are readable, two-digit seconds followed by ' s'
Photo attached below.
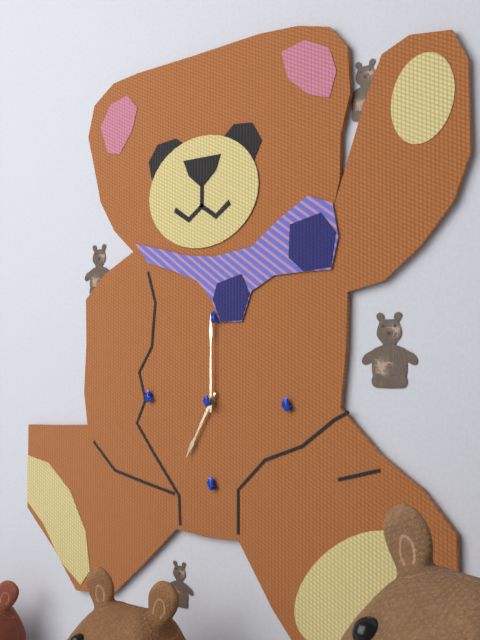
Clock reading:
7 h 00 min
